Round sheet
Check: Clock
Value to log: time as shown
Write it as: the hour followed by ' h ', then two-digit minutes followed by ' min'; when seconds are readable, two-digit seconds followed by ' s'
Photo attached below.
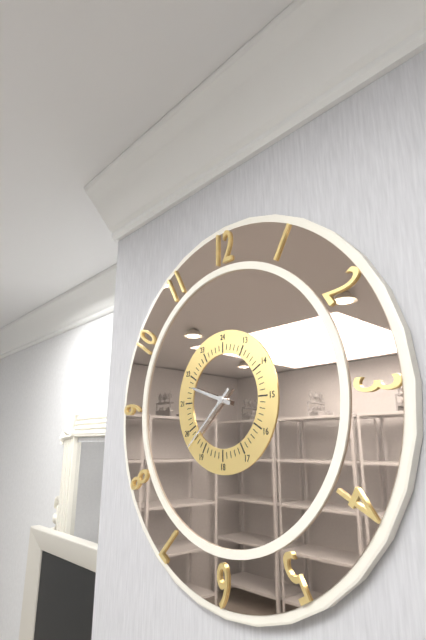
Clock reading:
9 h 38 min
